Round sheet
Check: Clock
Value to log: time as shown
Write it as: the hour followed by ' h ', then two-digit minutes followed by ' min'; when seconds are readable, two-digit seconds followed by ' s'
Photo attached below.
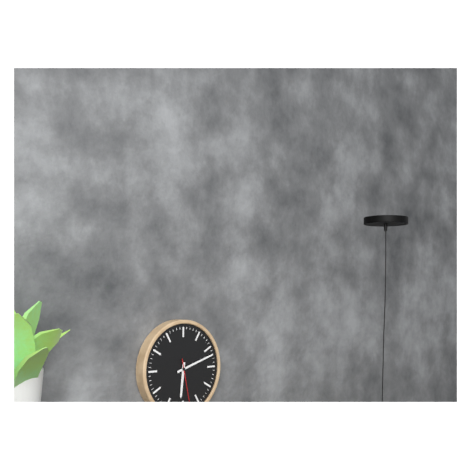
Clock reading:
6 h 12 min 28 s
